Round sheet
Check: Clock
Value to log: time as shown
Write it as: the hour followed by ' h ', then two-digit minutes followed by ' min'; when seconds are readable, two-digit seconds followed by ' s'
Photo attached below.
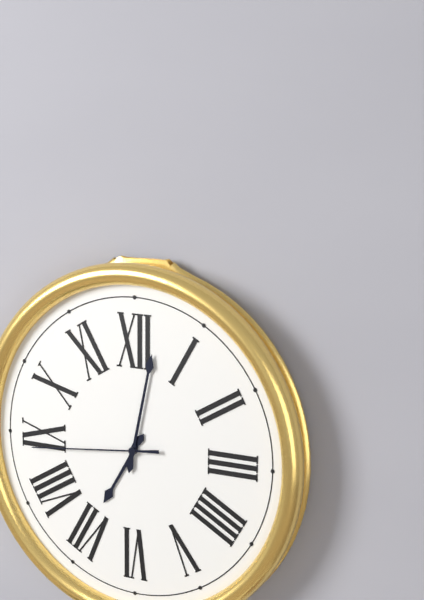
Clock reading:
7 h 02 min 44 s
